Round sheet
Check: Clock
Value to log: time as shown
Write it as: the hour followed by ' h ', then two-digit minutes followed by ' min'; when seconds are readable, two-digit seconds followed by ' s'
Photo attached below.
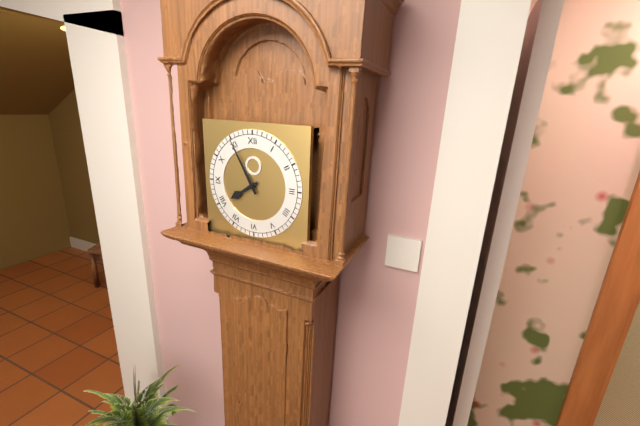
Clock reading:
7 h 55 min
